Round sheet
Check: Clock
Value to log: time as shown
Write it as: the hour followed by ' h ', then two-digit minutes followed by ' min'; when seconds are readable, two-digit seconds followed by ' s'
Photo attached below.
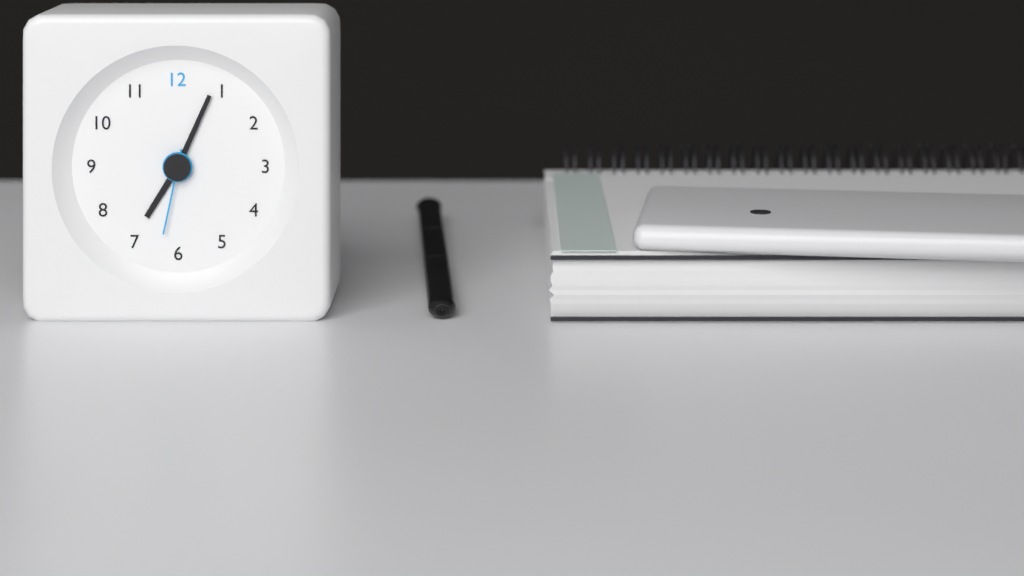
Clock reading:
7 h 04 min 32 s
